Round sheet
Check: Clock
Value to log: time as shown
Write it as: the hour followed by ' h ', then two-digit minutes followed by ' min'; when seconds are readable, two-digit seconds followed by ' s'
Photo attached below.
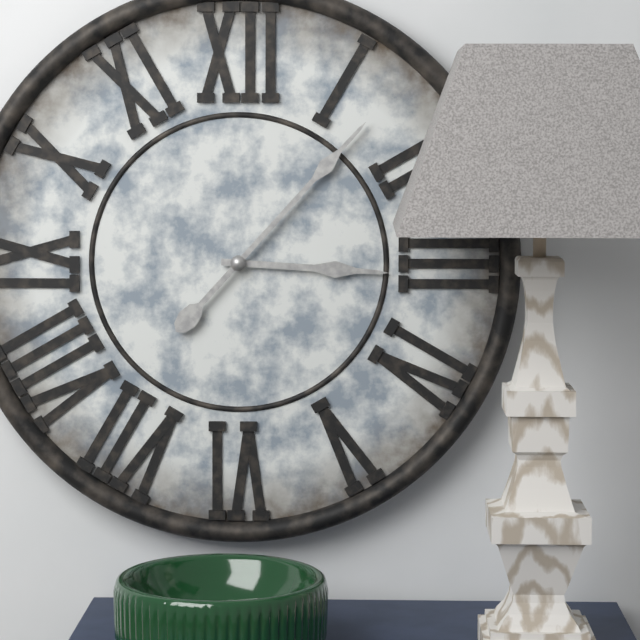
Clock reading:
3 h 07 min
